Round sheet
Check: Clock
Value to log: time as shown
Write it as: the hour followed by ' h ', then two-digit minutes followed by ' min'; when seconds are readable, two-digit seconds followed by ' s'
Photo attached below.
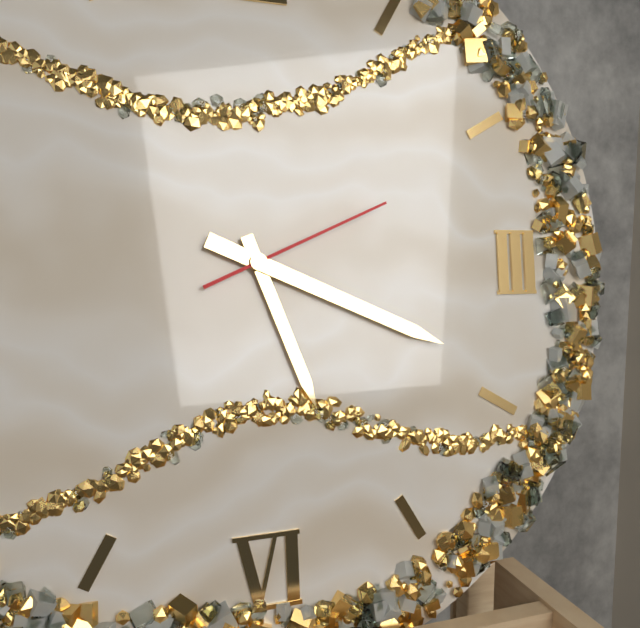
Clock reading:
5 h 19 min 11 s
